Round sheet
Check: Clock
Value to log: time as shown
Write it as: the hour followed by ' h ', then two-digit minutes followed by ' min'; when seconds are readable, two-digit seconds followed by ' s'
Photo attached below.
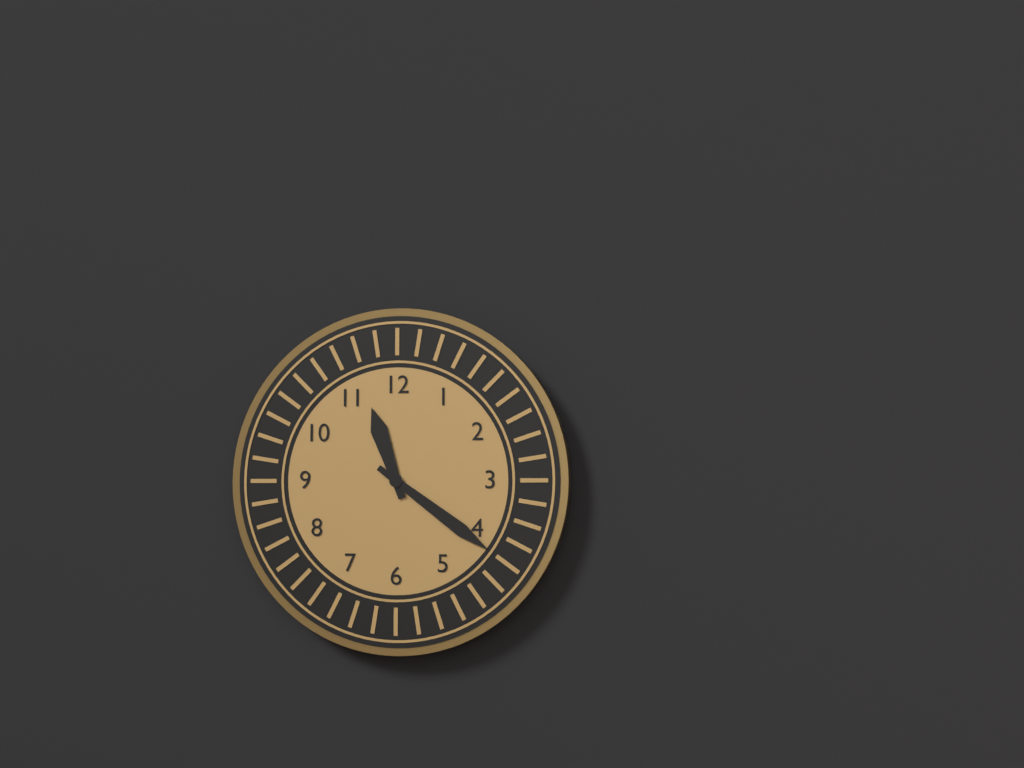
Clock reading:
11 h 21 min
